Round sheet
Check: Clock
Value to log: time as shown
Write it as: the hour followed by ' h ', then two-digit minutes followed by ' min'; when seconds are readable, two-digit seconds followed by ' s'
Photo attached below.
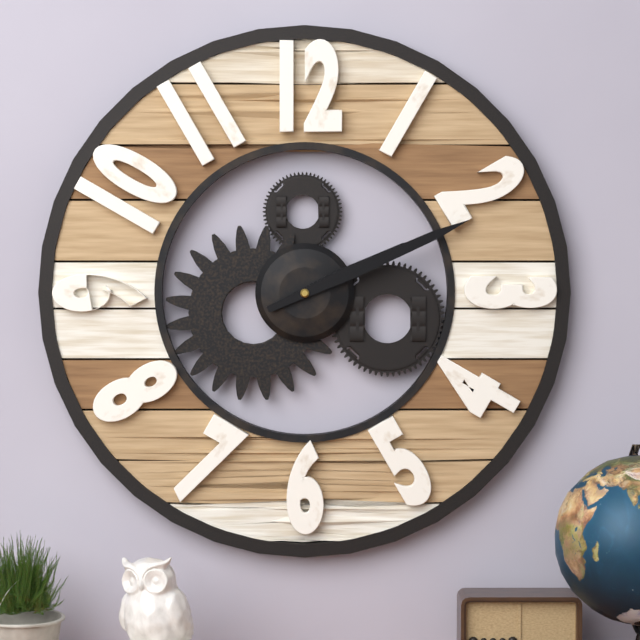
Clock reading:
2 h 11 min
